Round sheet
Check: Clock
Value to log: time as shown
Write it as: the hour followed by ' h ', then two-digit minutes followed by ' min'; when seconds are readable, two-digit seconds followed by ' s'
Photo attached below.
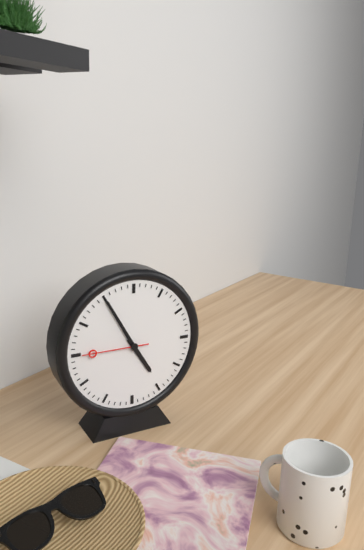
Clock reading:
4 h 55 min 45 s
